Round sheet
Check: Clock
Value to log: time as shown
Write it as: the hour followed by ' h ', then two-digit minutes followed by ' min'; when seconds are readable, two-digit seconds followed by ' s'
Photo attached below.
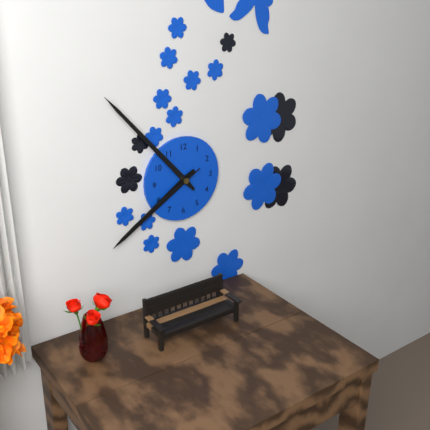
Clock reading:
7 h 53 min 40 s
